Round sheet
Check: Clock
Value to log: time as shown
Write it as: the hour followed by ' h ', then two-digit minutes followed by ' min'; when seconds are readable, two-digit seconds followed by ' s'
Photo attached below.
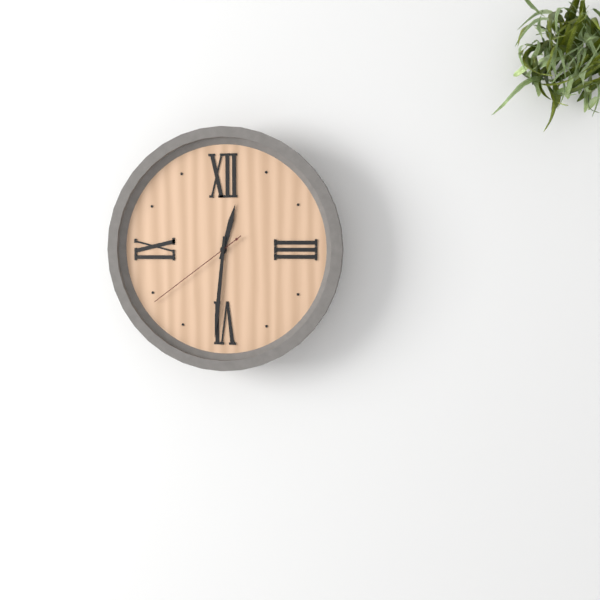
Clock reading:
12 h 31 min 39 s
